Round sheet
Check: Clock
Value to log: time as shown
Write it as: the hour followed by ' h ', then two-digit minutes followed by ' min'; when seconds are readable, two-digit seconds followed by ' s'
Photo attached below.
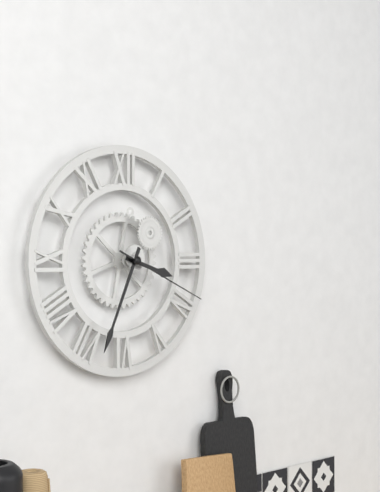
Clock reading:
3 h 34 min 19 s
